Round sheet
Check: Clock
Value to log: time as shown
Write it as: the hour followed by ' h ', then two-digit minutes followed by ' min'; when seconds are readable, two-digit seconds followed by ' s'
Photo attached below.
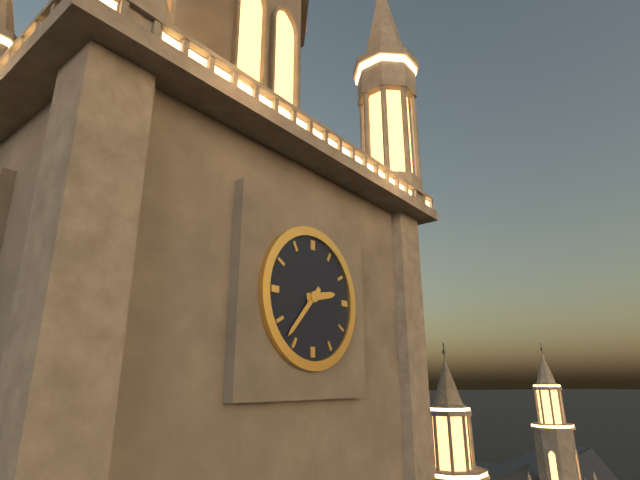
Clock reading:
2 h 37 min
